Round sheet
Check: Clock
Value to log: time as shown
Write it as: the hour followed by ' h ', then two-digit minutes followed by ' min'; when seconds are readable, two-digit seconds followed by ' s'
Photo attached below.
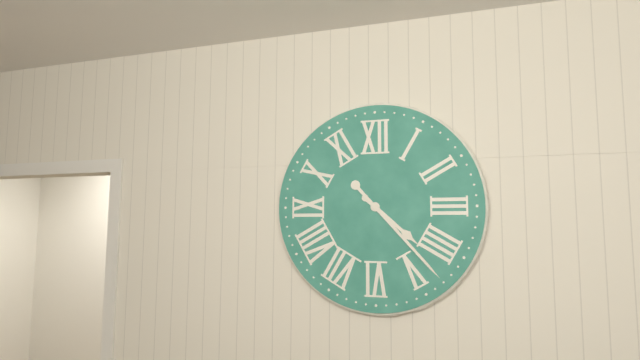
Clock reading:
4 h 23 min
